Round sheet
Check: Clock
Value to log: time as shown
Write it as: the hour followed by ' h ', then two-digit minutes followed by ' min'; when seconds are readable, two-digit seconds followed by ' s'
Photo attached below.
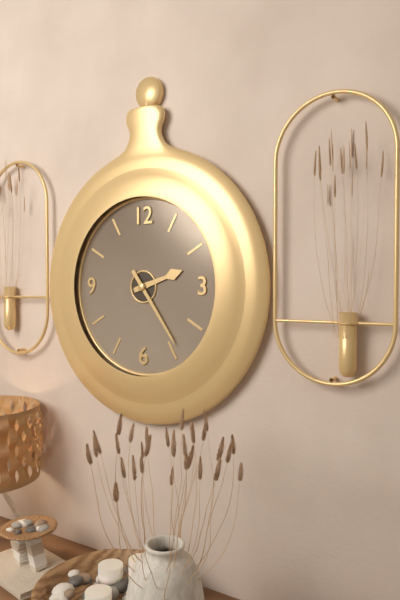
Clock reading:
2 h 24 min
